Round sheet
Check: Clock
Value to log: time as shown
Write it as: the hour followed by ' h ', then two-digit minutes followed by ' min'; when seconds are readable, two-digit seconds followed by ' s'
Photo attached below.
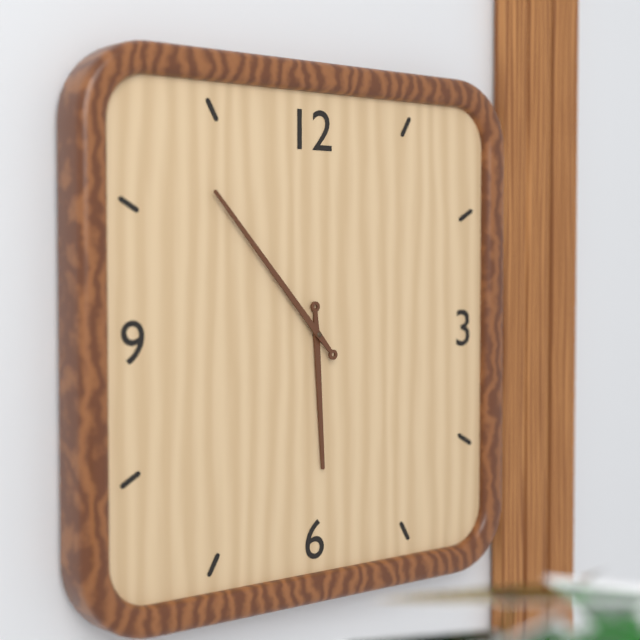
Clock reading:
5 h 53 min
